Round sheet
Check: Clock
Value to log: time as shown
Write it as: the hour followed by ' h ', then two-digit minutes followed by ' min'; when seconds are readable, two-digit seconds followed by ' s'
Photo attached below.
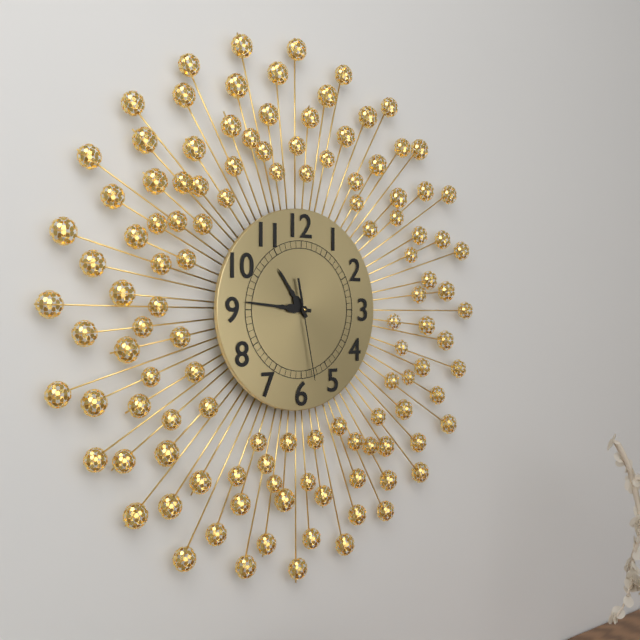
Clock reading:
10 h 46 min 28 s
